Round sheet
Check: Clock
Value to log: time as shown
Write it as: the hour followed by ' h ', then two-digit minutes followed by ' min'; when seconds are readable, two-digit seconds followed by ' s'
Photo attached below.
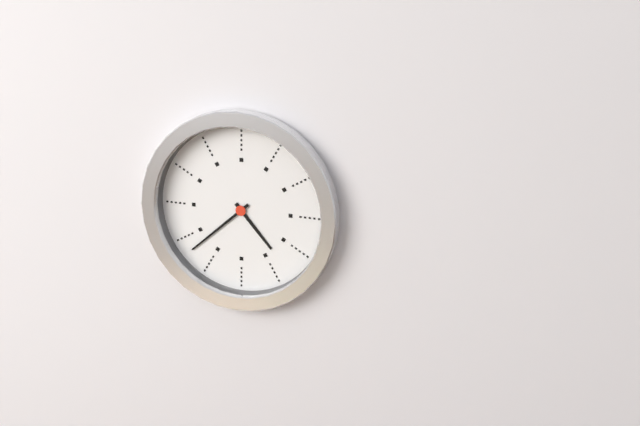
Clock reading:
4 h 38 min
